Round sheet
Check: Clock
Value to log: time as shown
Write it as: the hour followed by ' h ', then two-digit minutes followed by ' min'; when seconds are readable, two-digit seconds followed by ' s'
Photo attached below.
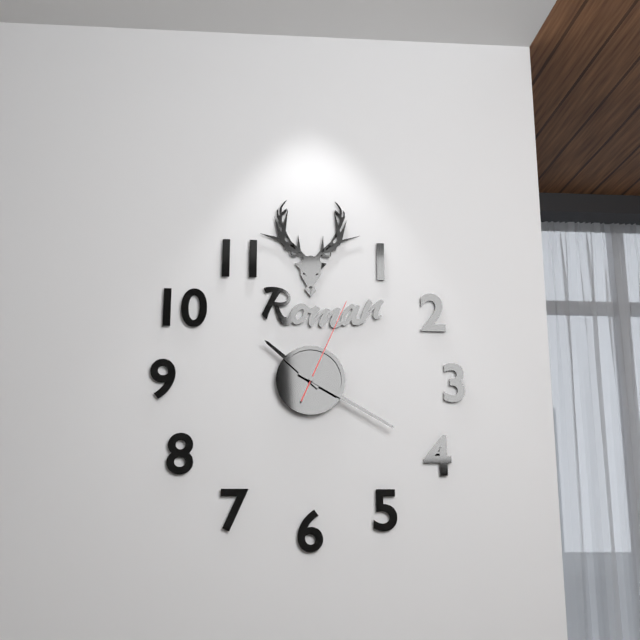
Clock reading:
10 h 20 min 04 s
